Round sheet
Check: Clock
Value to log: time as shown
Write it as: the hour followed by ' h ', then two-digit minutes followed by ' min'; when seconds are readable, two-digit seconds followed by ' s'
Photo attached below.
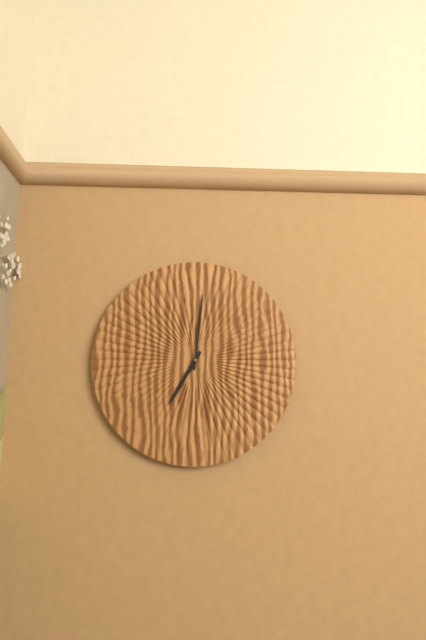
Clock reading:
7 h 01 min
